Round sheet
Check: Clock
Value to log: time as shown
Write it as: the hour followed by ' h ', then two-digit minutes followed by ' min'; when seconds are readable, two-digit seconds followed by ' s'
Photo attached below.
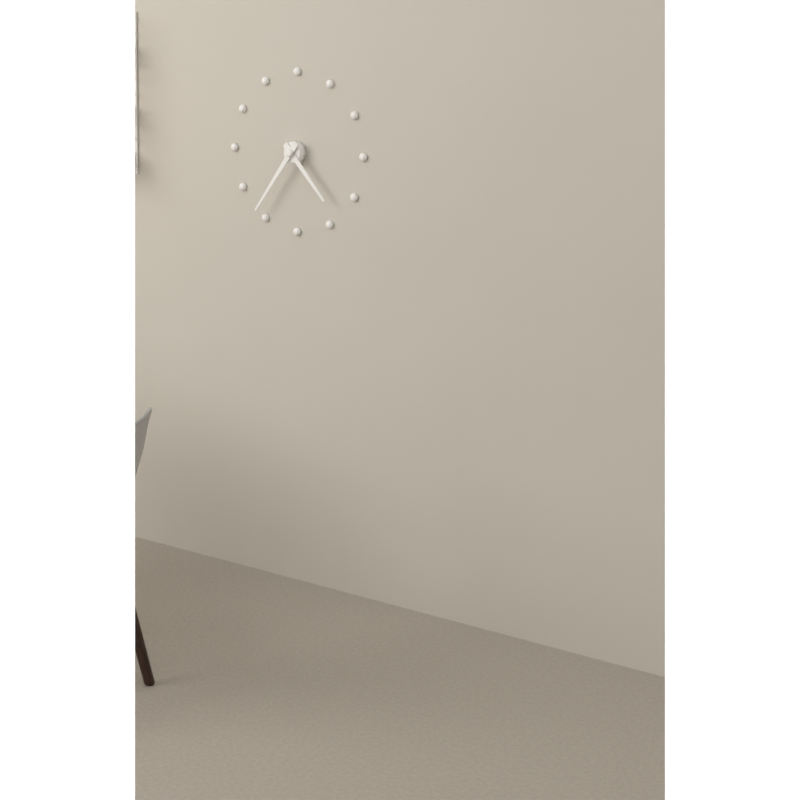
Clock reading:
4 h 36 min
